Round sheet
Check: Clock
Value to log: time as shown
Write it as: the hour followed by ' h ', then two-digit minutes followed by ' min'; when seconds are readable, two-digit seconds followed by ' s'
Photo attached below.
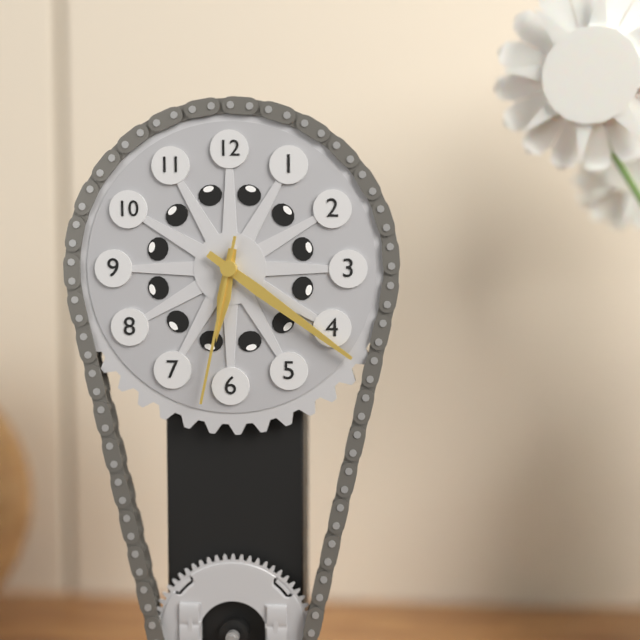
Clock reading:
6 h 21 min 32 s
